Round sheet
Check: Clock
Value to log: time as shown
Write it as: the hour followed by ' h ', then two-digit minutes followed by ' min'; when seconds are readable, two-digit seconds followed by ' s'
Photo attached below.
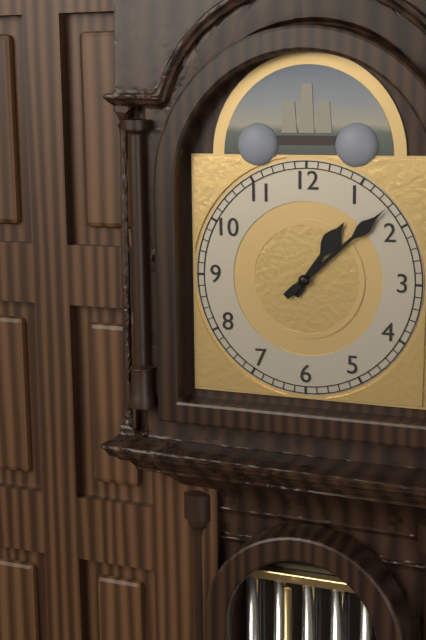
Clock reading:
1 h 08 min
